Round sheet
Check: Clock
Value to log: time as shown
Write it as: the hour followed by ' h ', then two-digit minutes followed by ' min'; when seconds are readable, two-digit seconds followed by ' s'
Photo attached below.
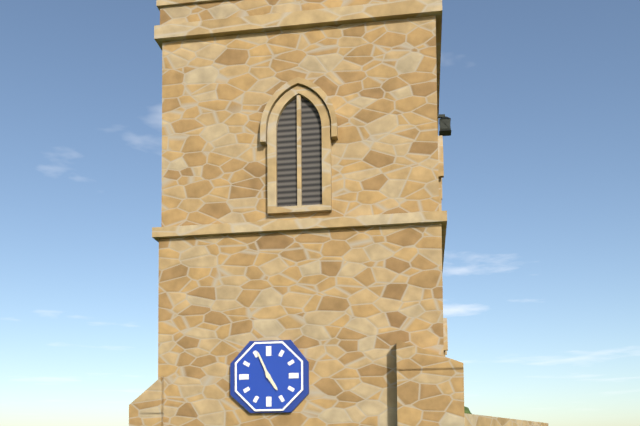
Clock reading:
4 h 56 min
